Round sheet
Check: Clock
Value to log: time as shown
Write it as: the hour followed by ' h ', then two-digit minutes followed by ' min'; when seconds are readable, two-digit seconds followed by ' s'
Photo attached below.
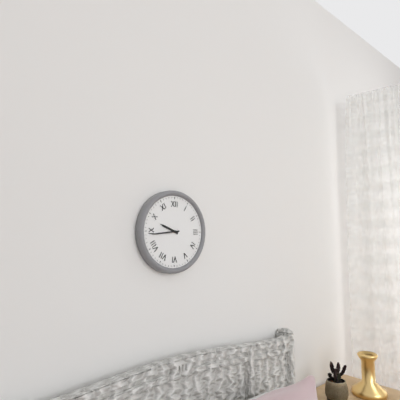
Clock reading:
9 h 44 min
